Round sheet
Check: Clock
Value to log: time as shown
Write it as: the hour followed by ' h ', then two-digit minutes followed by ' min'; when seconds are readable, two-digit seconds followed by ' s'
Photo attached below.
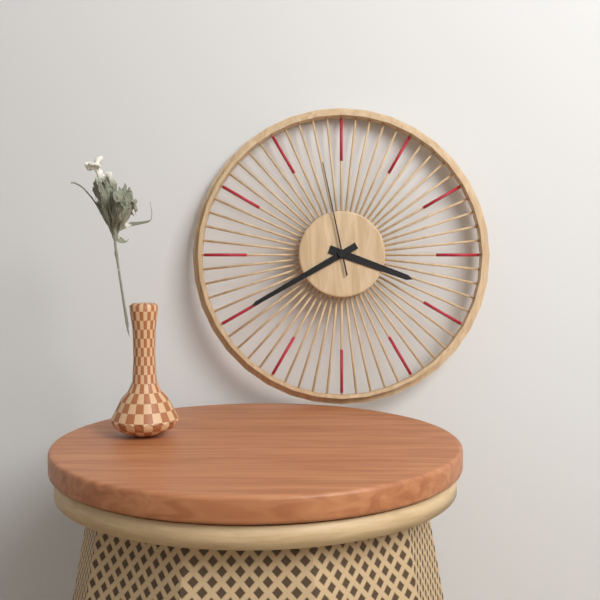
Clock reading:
3 h 40 min 58 s
